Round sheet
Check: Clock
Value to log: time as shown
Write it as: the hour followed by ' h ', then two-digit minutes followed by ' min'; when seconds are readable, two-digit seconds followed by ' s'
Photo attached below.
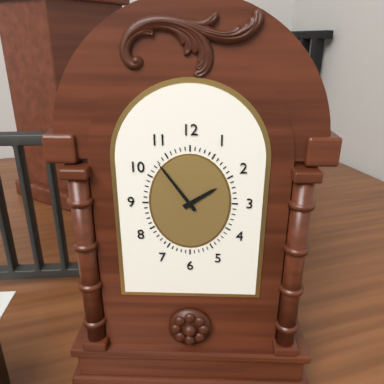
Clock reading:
1 h 54 min
